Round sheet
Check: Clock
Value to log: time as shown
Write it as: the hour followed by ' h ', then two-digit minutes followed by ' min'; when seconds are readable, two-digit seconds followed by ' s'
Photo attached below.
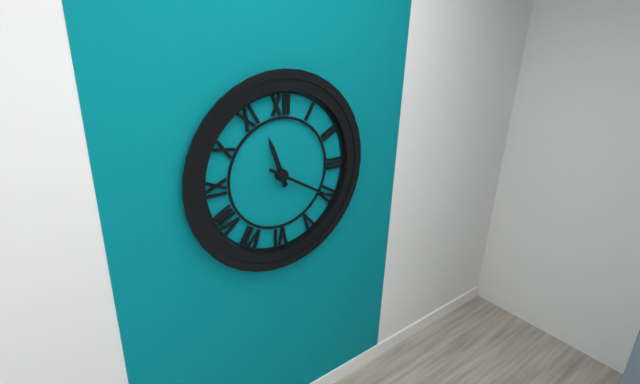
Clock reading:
11 h 20 min
